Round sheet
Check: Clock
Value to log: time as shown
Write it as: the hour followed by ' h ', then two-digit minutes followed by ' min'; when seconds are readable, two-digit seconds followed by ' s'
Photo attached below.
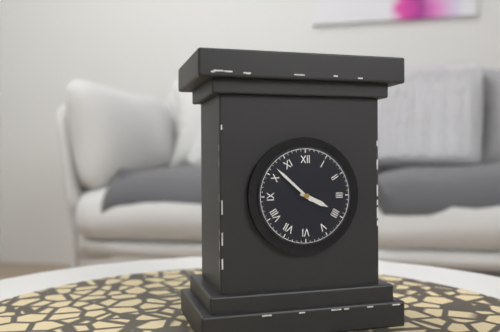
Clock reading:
3 h 52 min
